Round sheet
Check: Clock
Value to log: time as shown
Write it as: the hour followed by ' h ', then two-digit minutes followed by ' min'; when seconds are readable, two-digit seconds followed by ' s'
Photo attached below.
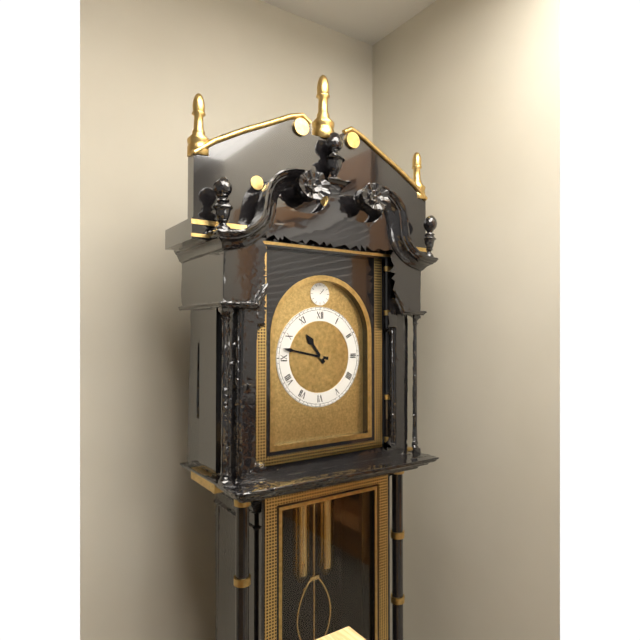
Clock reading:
10 h 47 min
